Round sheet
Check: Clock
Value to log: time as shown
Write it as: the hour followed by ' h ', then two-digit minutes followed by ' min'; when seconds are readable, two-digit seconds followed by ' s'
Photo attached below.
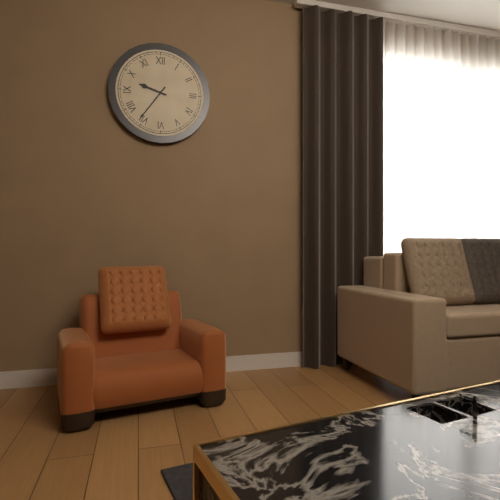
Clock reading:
9 h 36 min
